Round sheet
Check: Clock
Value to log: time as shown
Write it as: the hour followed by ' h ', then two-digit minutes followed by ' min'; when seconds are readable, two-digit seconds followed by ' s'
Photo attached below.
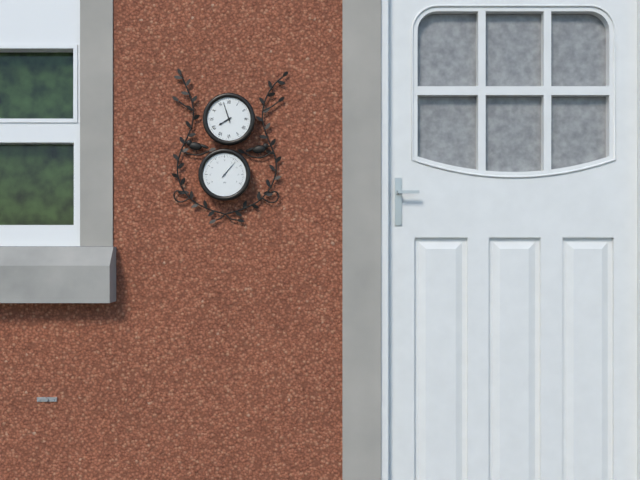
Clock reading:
7 h 57 min
